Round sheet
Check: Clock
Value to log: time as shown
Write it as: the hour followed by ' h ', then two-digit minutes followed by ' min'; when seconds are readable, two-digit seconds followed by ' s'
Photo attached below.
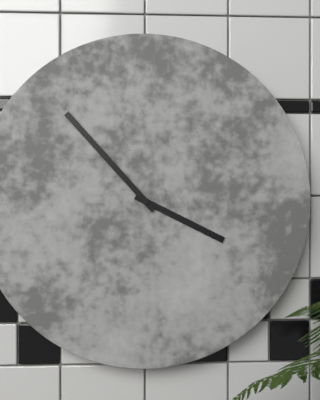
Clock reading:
3 h 53 min
